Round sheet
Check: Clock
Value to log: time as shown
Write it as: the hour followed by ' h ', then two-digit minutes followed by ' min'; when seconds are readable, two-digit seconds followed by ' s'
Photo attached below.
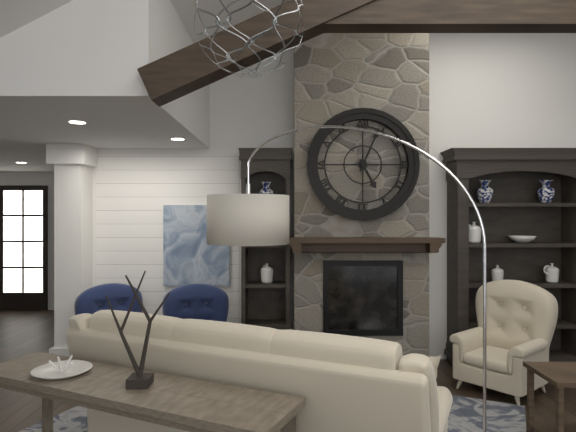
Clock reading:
5 h 04 min
